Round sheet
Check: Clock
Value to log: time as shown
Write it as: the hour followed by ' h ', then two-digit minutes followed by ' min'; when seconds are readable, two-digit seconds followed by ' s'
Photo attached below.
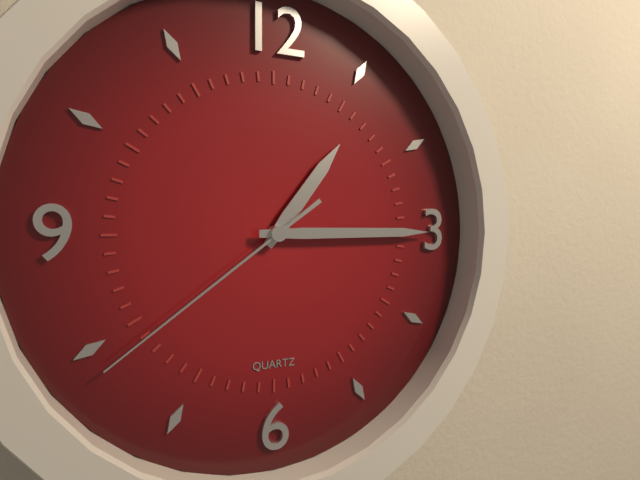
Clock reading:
1 h 15 min 39 s
